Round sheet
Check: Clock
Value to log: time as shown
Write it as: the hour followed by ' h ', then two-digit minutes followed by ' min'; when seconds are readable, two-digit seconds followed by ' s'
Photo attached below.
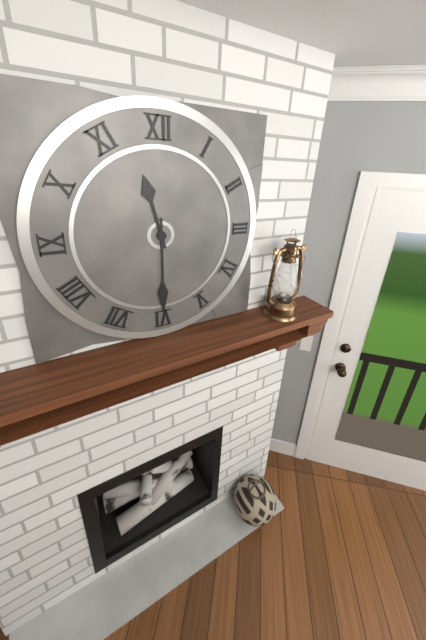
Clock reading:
11 h 30 min
